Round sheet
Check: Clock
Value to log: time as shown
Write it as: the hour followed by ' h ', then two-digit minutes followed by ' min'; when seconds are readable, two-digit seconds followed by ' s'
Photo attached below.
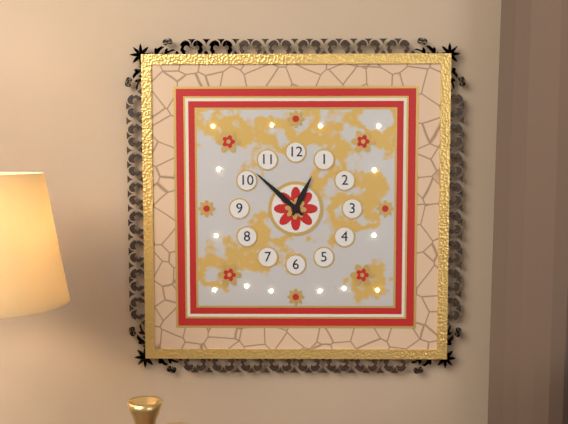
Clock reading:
12 h 52 min
